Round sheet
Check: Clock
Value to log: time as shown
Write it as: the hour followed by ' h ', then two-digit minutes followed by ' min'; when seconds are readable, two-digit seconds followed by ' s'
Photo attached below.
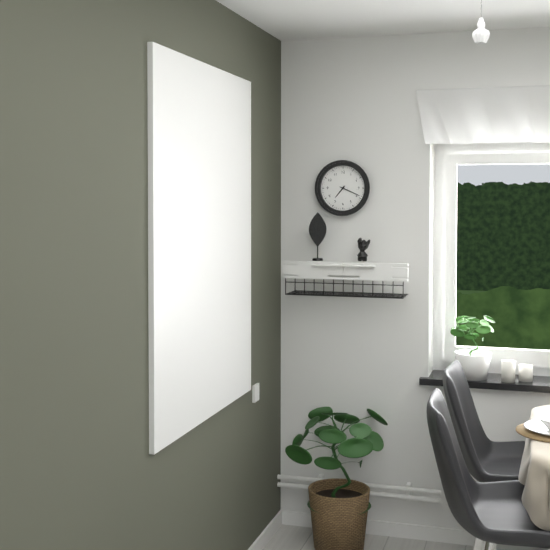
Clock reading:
7 h 19 min
